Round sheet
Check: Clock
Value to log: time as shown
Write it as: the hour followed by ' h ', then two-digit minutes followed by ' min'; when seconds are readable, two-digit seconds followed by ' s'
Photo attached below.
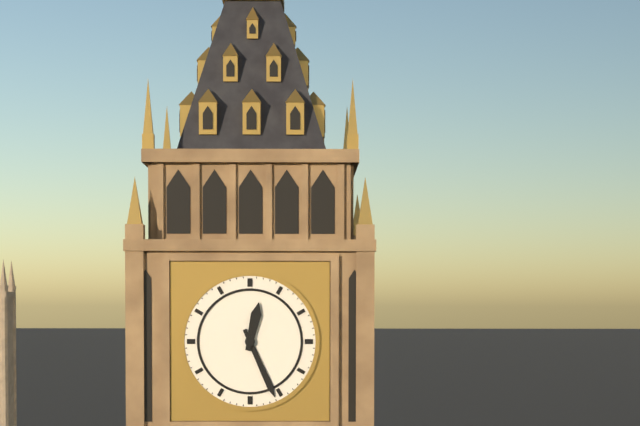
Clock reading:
12 h 26 min
